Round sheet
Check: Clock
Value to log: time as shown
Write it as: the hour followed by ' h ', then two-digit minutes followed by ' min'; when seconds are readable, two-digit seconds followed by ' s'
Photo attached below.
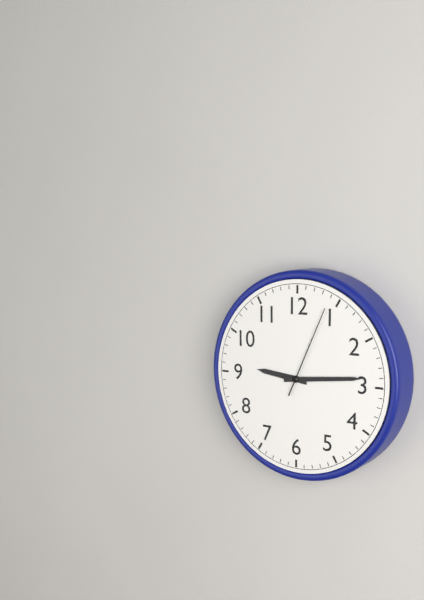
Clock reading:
9 h 14 min 04 s
